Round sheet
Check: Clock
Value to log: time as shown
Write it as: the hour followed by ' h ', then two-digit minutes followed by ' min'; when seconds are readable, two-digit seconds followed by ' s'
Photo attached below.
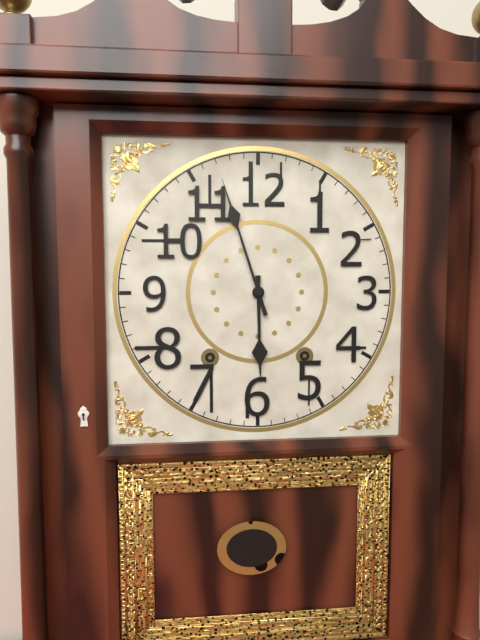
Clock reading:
5 h 57 min
